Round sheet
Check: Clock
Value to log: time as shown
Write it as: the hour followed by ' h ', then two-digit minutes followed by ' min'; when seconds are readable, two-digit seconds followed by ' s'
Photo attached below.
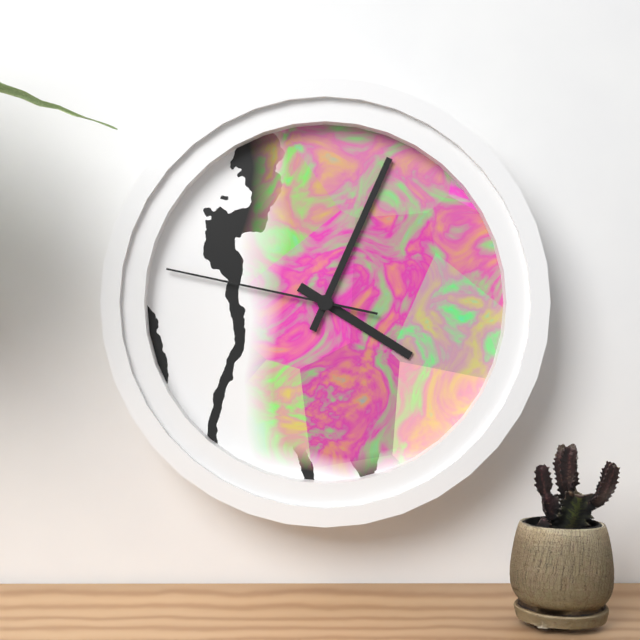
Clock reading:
4 h 04 min 47 s
